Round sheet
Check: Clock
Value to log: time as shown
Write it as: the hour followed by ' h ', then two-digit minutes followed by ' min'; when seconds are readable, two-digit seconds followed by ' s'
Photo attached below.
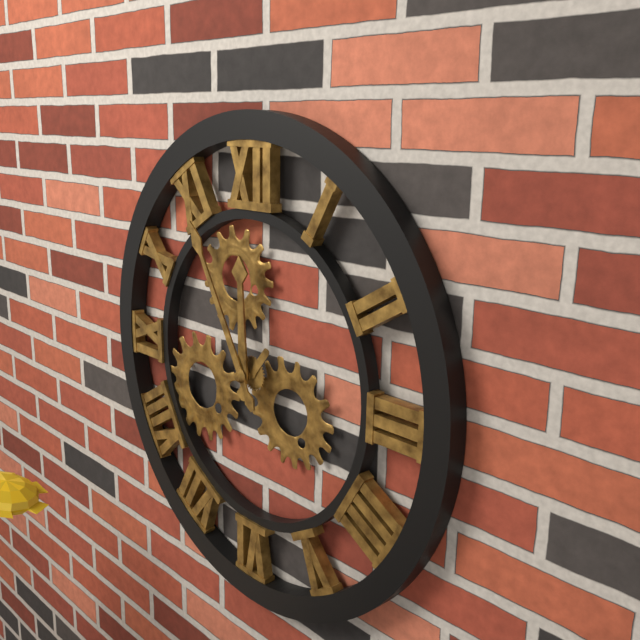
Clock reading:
11 h 55 min
